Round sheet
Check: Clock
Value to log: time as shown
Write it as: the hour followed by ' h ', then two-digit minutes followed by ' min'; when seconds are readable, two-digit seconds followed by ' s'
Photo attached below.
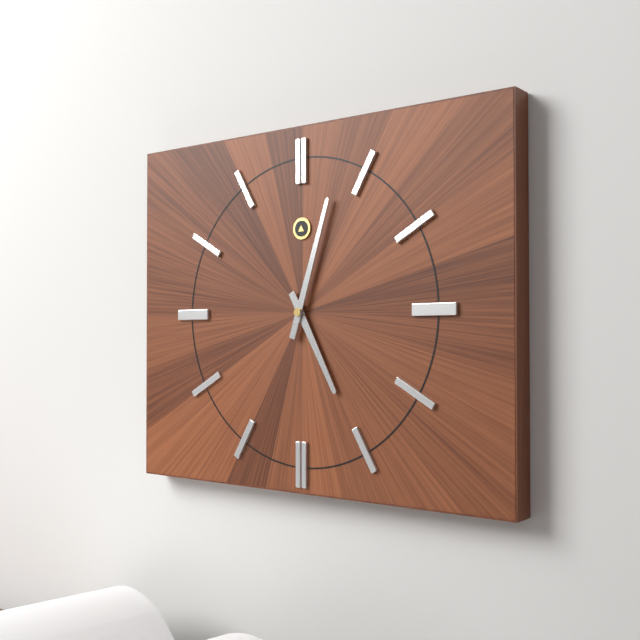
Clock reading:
5 h 03 min
